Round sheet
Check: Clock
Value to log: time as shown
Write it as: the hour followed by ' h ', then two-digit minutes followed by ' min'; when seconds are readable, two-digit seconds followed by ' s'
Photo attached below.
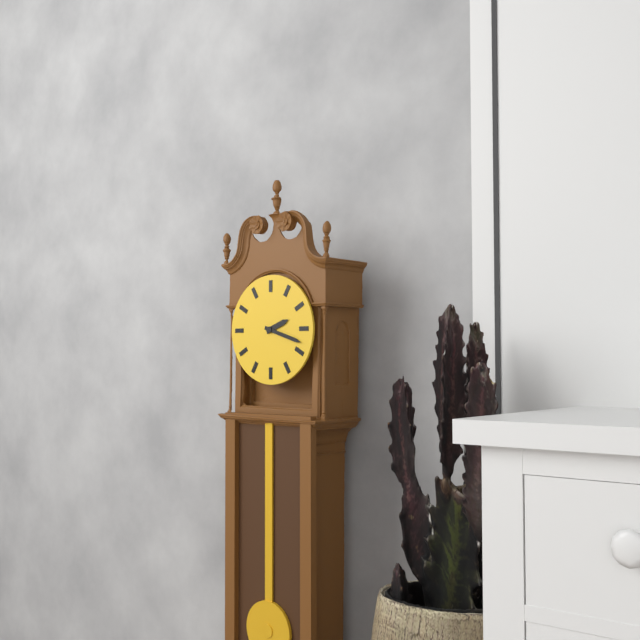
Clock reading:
2 h 18 min
